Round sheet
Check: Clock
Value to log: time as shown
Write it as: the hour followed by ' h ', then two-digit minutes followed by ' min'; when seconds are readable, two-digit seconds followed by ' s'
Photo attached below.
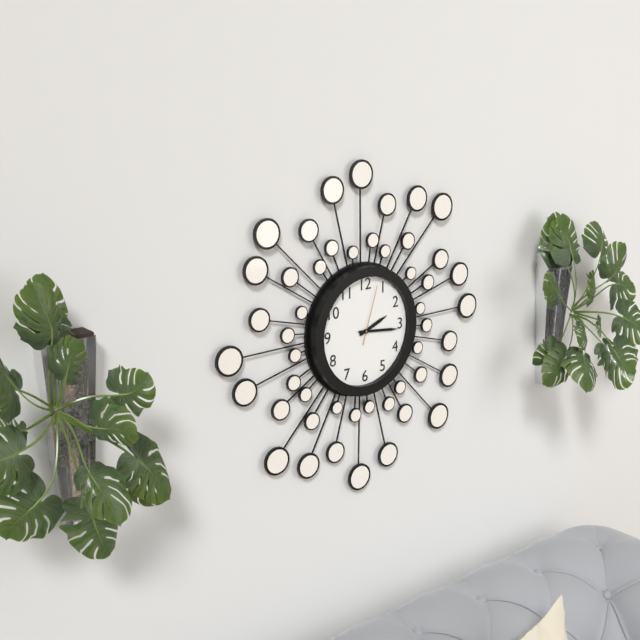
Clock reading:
2 h 16 min 03 s
